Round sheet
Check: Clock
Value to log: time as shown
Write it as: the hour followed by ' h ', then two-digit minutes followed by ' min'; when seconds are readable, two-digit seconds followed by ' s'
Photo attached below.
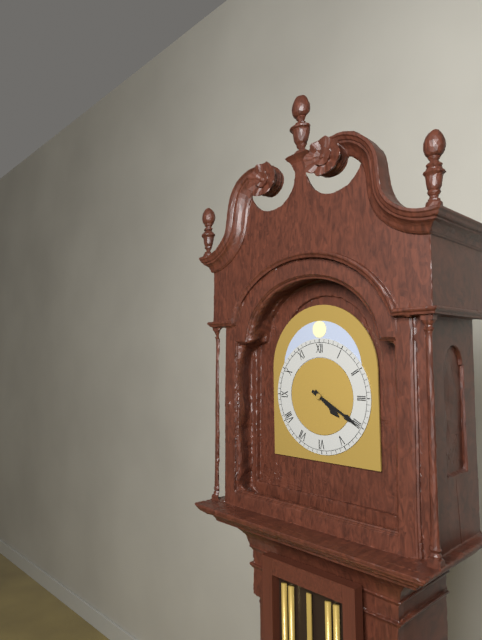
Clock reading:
4 h 20 min
